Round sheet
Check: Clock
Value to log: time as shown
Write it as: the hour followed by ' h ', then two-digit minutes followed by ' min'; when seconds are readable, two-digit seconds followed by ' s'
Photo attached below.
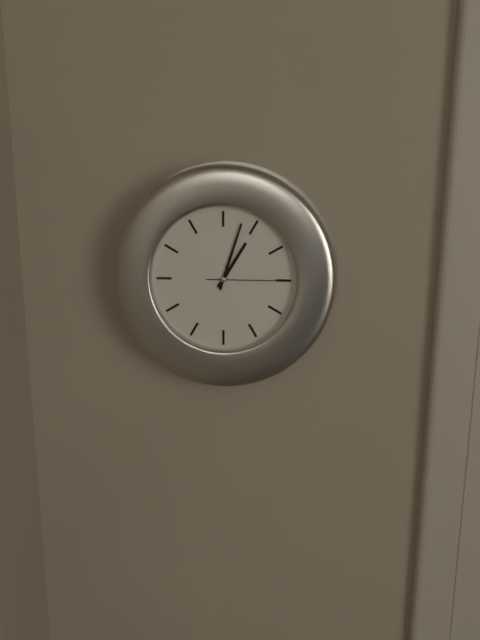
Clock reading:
1 h 03 min 15 s
